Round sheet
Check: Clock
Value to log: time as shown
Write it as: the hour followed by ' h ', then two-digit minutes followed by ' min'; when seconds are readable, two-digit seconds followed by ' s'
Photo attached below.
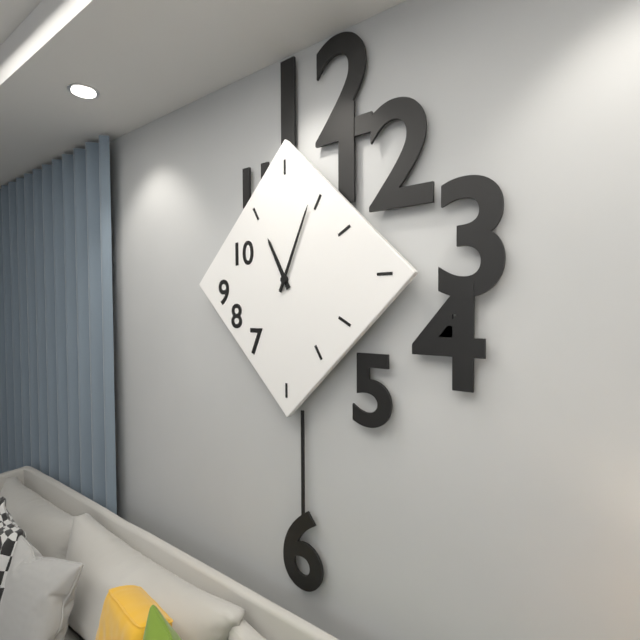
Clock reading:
11 h 04 min
